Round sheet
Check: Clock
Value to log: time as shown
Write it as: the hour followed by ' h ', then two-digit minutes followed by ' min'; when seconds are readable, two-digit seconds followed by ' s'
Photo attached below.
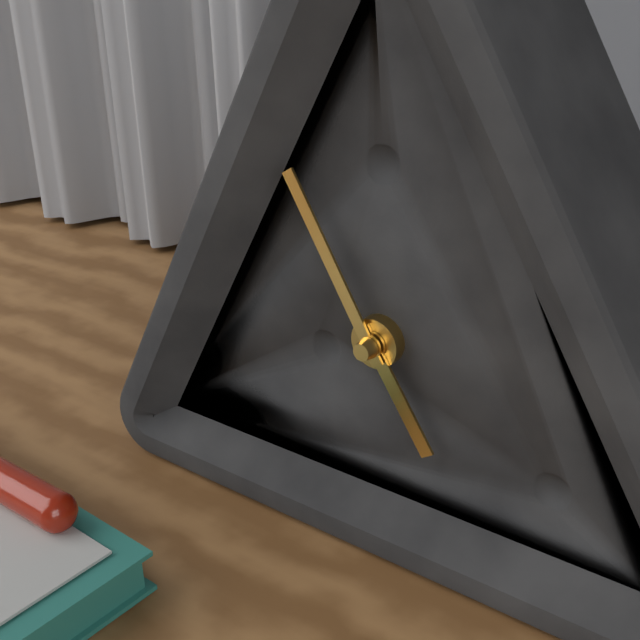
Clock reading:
4 h 55 min
